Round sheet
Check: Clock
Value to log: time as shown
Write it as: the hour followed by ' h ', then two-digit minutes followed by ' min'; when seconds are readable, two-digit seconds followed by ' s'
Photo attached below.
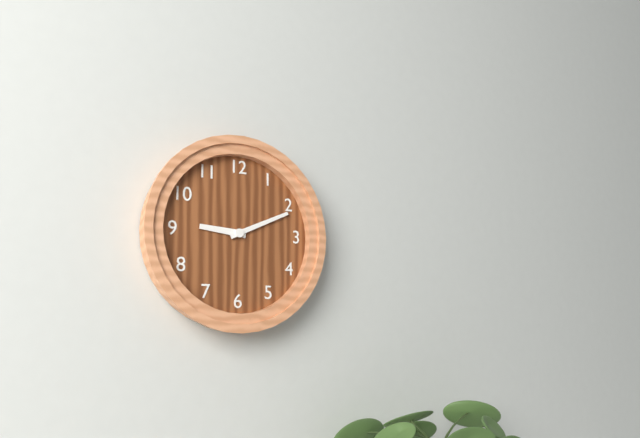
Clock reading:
9 h 11 min
